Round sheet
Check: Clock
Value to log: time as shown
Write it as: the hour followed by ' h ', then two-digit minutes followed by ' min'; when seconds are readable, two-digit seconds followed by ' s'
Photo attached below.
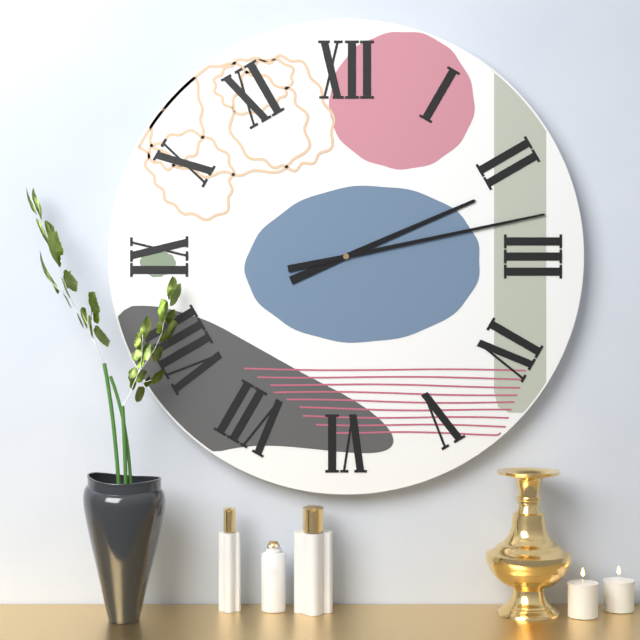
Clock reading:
2 h 13 min
